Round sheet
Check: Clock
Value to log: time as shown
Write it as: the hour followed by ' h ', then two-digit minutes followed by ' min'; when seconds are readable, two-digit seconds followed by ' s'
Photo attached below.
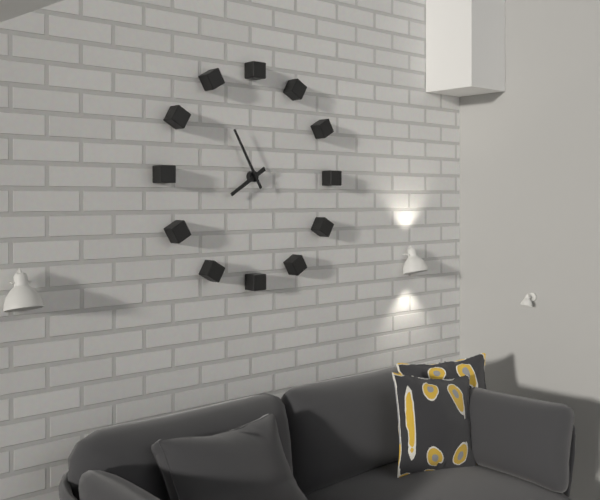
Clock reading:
7 h 55 min
